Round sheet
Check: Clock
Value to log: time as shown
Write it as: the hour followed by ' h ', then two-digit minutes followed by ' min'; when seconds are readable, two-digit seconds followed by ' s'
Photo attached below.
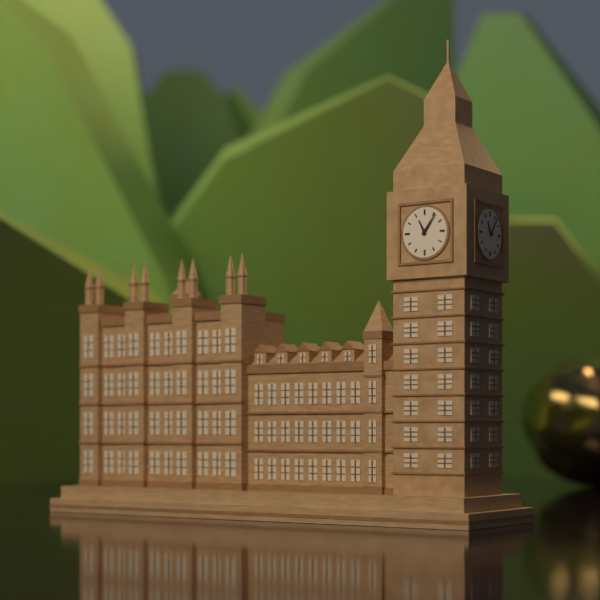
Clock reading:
11 h 06 min
